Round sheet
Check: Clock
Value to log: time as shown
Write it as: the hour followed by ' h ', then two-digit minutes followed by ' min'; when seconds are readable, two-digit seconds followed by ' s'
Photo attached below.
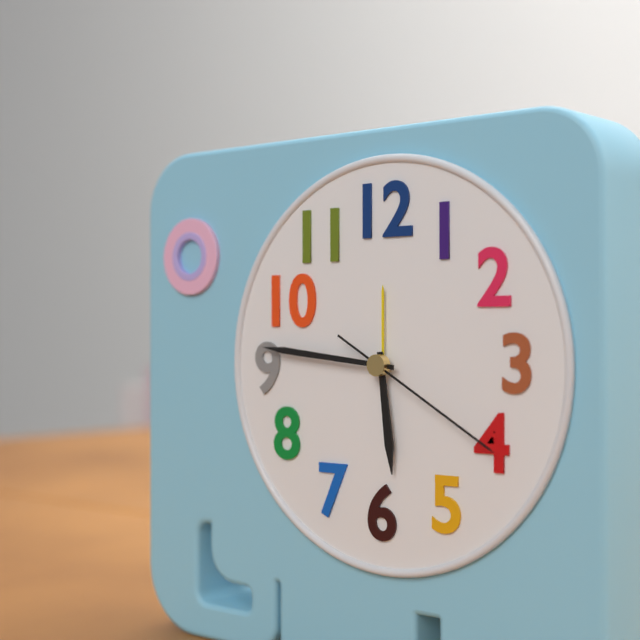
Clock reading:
5 h 46 min 20 s
